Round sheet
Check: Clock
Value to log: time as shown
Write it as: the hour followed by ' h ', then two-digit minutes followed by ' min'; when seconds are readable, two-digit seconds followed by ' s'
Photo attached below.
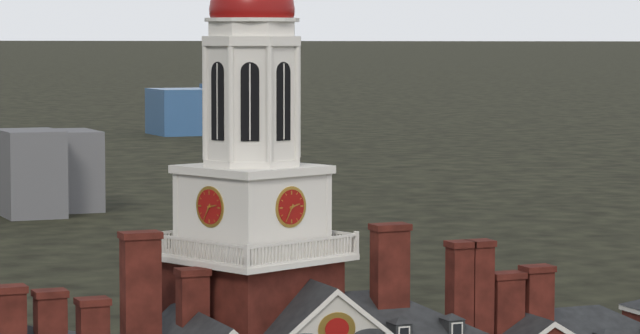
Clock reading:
2 h 35 min
